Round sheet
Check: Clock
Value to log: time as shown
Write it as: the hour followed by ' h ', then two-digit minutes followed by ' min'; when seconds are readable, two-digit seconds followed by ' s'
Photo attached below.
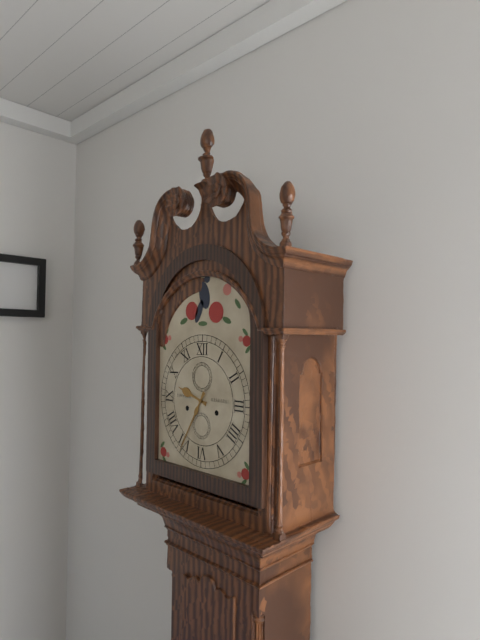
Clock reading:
9 h 35 min
